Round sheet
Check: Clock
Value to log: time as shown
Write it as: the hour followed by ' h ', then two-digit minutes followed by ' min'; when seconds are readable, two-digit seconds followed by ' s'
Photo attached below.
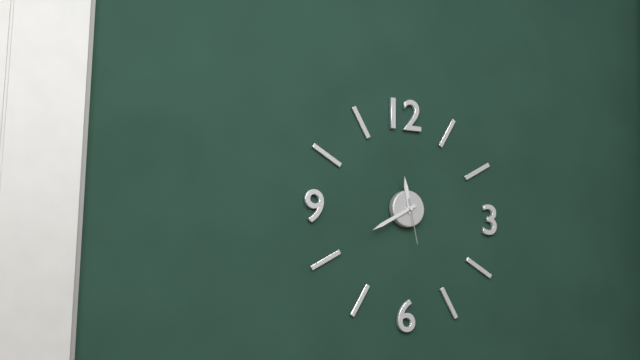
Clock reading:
11 h 40 min
